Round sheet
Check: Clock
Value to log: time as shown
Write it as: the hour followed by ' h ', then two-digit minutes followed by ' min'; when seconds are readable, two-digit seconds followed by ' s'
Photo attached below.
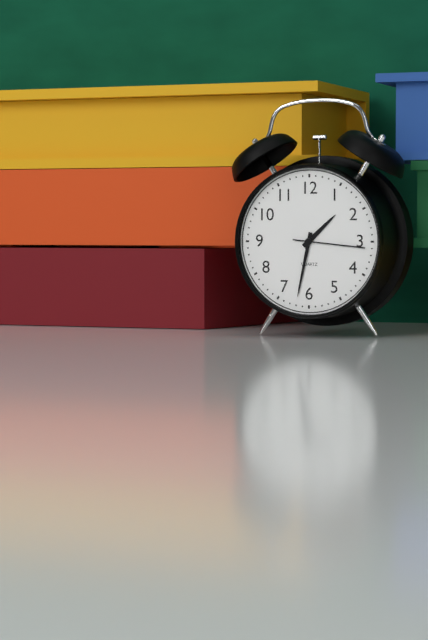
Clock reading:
1 h 32 min 16 s
